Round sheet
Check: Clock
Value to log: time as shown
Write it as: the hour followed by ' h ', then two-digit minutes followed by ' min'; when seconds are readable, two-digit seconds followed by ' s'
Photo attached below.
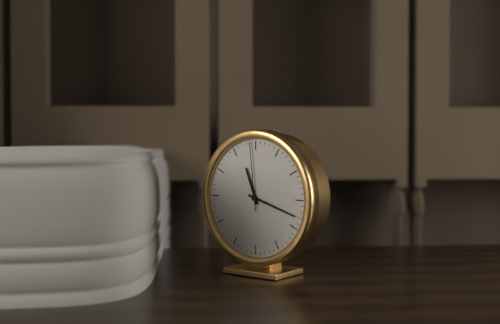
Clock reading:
11 h 18 min 59 s
